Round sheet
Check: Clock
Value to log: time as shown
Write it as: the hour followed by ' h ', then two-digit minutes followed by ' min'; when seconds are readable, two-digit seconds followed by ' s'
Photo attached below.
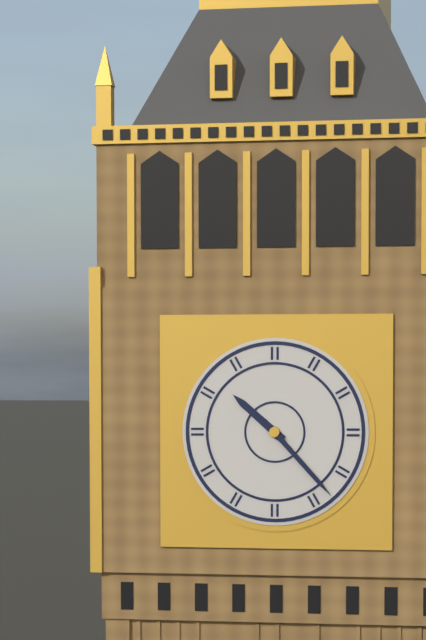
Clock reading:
10 h 23 min
